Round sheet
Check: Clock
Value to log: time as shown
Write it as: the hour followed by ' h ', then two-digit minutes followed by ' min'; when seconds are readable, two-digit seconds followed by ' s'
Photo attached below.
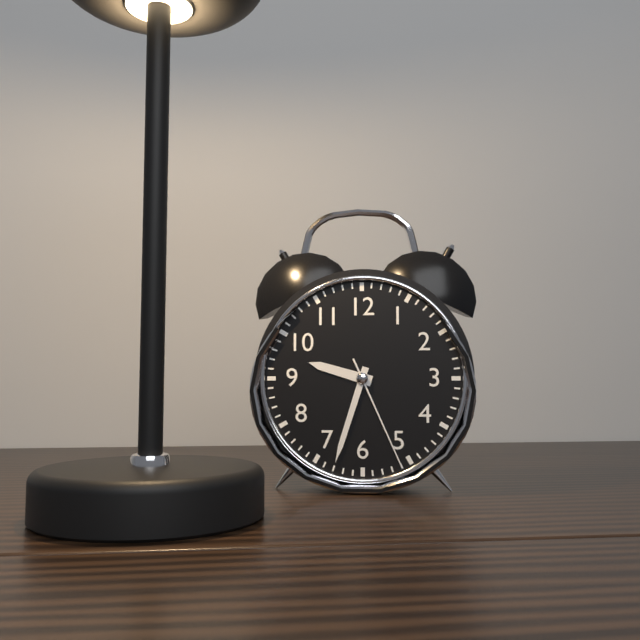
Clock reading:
9 h 33 min 26 s
